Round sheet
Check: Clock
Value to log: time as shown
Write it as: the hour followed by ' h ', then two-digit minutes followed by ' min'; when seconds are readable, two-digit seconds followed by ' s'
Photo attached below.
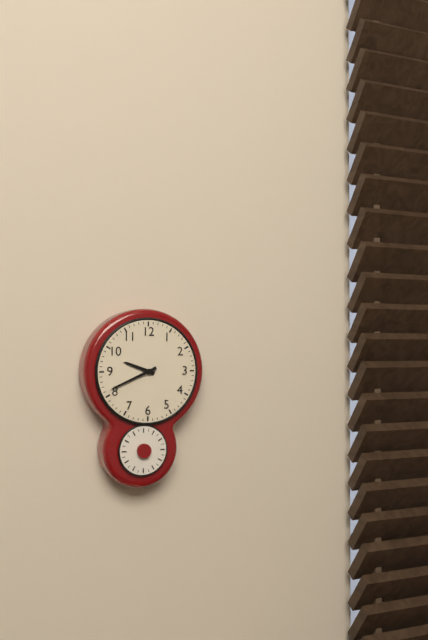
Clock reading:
9 h 41 min
